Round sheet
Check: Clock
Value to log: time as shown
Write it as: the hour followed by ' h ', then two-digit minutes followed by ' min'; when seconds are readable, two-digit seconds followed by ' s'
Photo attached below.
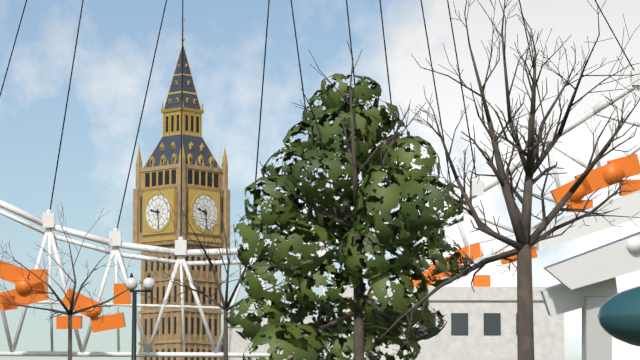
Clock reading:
9 h 29 min
